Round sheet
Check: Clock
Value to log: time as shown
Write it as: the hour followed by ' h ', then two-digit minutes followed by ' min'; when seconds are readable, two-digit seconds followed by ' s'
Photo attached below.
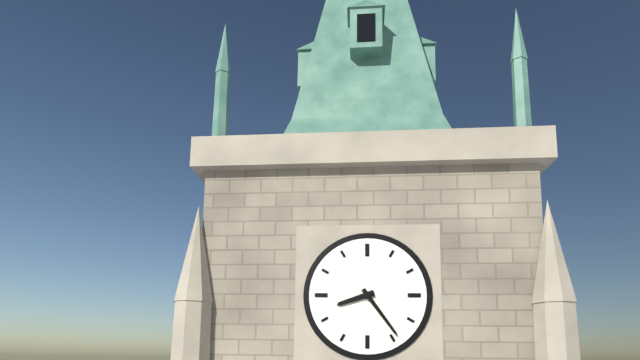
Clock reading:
8 h 24 min
